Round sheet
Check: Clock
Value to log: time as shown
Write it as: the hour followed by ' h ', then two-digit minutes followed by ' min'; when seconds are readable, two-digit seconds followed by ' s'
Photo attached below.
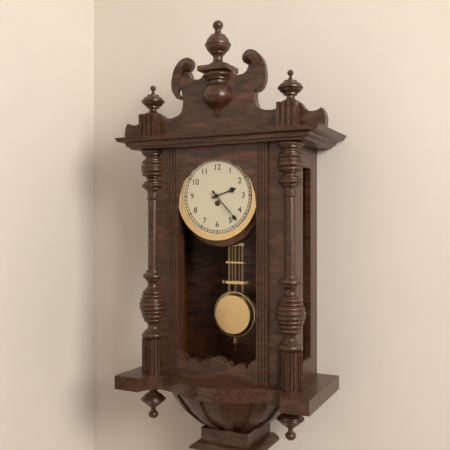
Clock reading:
2 h 23 min
